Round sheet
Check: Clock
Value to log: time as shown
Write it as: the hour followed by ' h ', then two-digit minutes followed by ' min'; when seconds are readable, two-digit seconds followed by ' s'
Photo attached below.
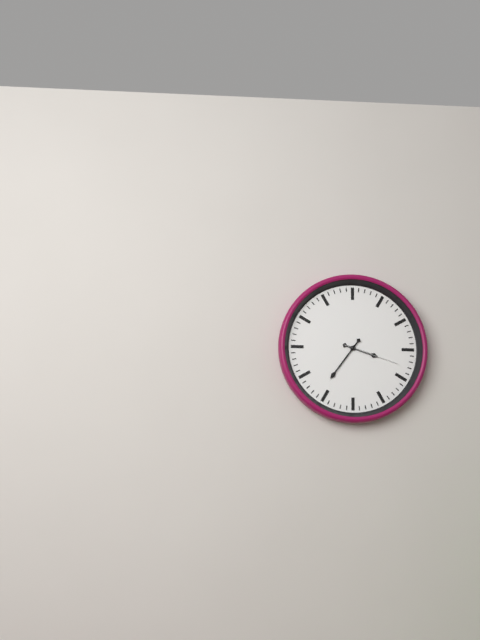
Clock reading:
3 h 36 min 18 s
